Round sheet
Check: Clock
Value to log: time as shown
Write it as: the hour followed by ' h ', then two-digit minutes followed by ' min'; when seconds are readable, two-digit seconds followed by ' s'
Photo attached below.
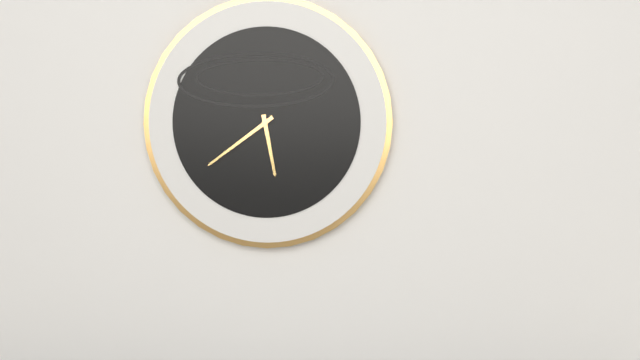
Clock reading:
5 h 39 min
